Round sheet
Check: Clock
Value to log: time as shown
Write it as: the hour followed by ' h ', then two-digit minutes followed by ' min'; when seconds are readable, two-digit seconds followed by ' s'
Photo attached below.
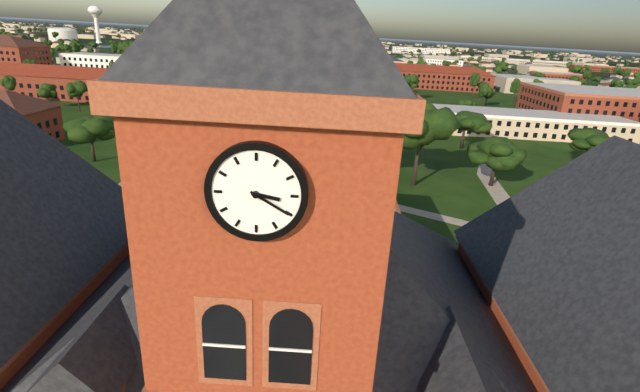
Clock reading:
3 h 20 min
